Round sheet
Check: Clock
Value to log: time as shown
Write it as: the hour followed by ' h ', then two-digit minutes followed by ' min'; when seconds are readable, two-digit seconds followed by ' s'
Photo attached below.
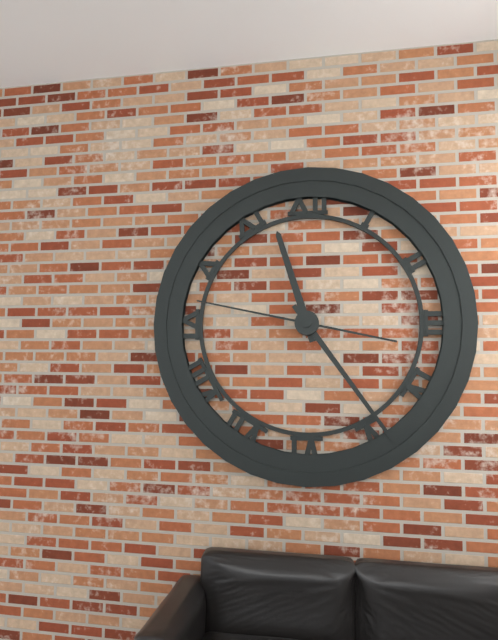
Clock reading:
11 h 24 min 47 s
